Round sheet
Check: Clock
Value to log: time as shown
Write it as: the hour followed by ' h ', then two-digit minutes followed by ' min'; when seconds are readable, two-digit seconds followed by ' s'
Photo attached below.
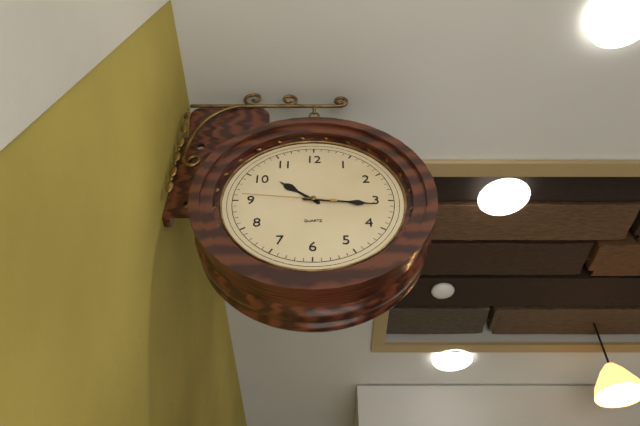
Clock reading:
10 h 16 min 46 s
